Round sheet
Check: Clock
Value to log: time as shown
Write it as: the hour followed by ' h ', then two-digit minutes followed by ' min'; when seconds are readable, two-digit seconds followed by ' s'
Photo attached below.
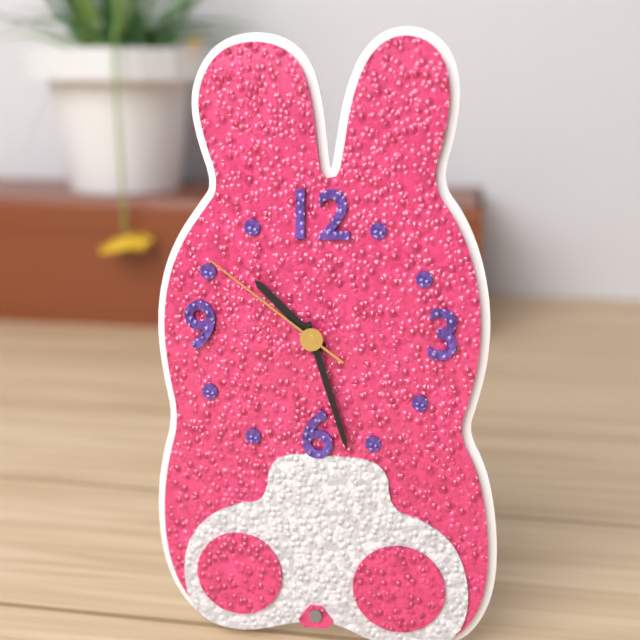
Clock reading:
10 h 27 min 51 s
